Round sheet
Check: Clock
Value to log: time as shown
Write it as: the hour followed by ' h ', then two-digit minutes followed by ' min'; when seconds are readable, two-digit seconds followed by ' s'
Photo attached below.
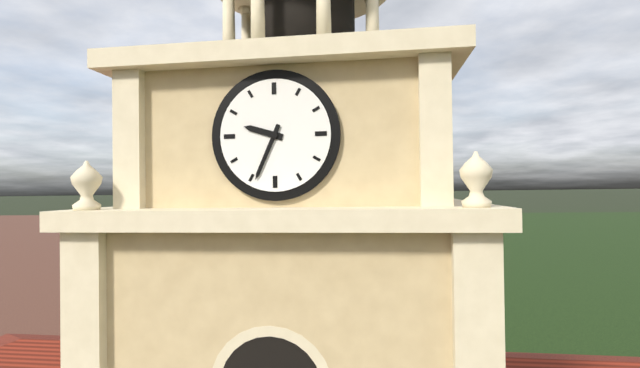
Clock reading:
9 h 34 min
